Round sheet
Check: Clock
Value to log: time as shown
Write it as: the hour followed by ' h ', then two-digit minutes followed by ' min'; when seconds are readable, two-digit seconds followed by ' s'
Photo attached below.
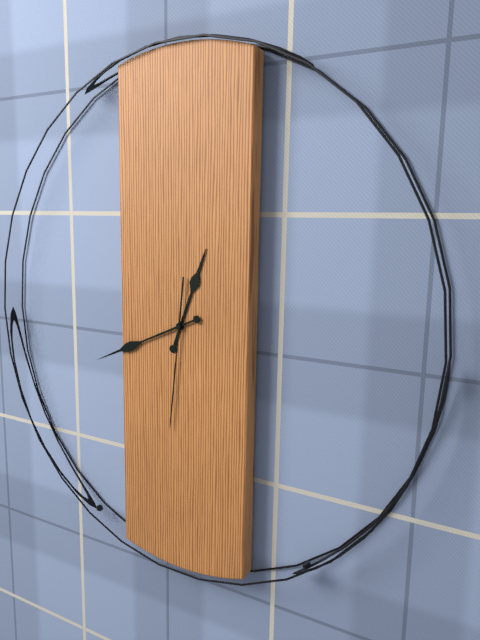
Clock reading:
12 h 41 min 31 s
